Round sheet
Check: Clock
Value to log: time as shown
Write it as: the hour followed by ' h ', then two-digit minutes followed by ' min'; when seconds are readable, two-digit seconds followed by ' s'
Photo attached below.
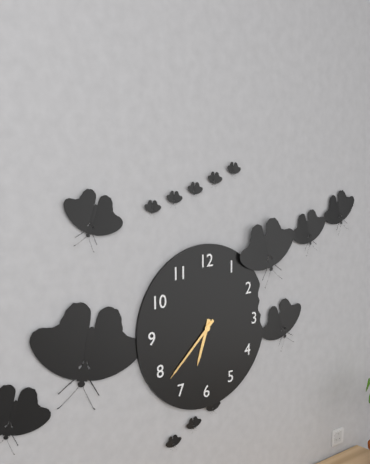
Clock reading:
6 h 38 min
